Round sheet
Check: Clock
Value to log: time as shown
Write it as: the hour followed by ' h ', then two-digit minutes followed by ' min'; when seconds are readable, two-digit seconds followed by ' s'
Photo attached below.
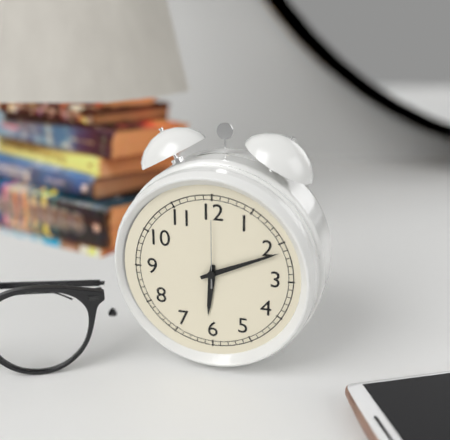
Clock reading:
6 h 11 min 00 s
